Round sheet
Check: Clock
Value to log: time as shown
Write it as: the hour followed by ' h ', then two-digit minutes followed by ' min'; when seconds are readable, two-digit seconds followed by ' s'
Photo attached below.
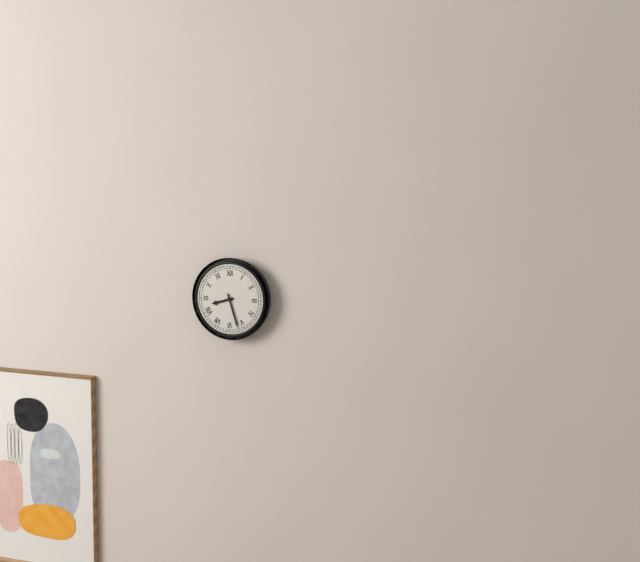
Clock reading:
8 h 27 min
